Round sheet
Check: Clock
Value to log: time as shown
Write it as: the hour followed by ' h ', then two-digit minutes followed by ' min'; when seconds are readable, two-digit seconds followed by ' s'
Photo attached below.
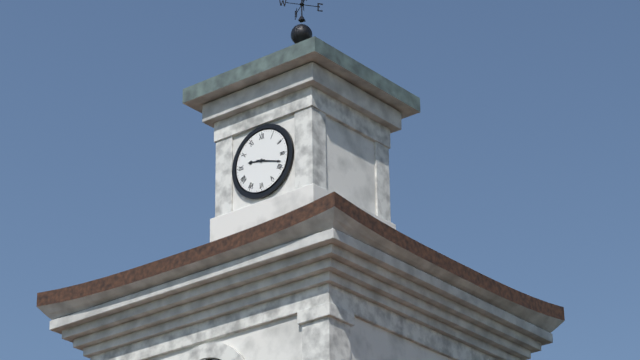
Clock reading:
9 h 18 min
